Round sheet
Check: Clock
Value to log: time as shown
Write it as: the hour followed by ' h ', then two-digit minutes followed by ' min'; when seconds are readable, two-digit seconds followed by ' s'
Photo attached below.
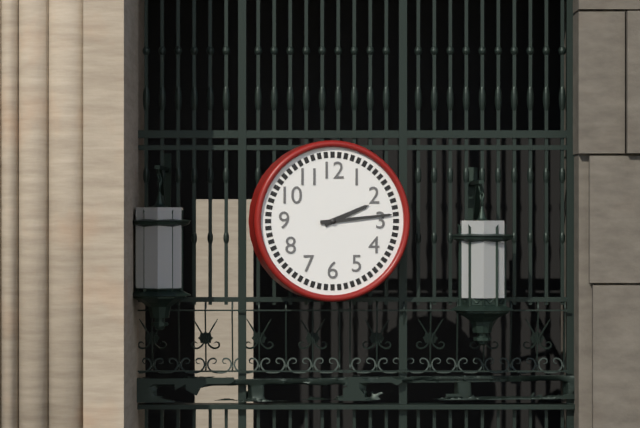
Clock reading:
2 h 14 min
